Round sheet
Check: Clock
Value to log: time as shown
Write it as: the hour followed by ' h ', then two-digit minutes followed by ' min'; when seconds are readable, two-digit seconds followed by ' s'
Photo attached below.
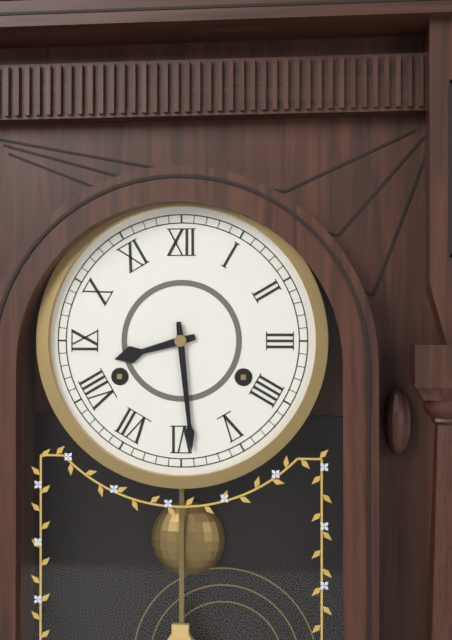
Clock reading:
8 h 29 min
